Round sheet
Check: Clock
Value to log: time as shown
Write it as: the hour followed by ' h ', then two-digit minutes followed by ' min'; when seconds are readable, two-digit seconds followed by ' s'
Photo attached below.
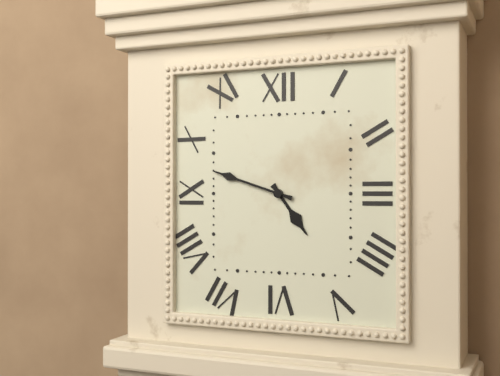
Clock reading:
4 h 48 min
